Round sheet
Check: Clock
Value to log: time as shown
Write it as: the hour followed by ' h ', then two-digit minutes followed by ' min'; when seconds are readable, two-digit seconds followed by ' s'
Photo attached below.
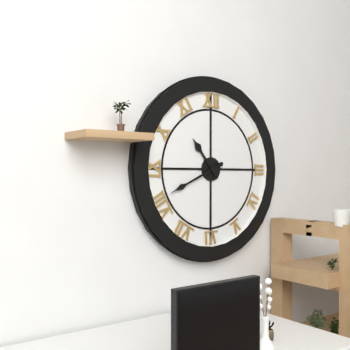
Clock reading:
10 h 41 min
